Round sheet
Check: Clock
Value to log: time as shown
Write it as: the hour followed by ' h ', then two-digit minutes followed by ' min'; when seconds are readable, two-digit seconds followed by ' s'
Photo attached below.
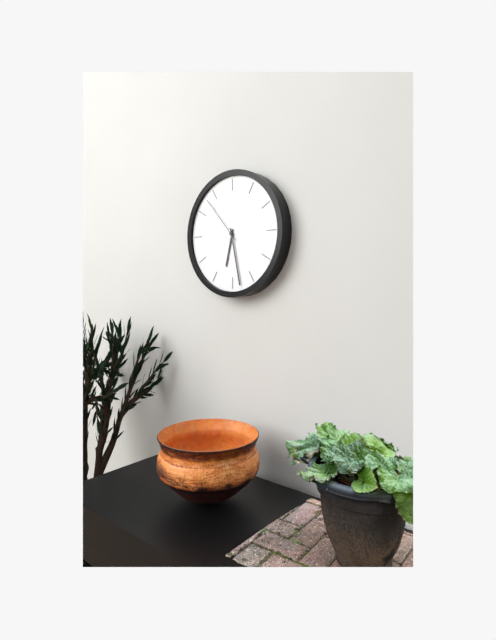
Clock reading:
6 h 28 min 53 s
